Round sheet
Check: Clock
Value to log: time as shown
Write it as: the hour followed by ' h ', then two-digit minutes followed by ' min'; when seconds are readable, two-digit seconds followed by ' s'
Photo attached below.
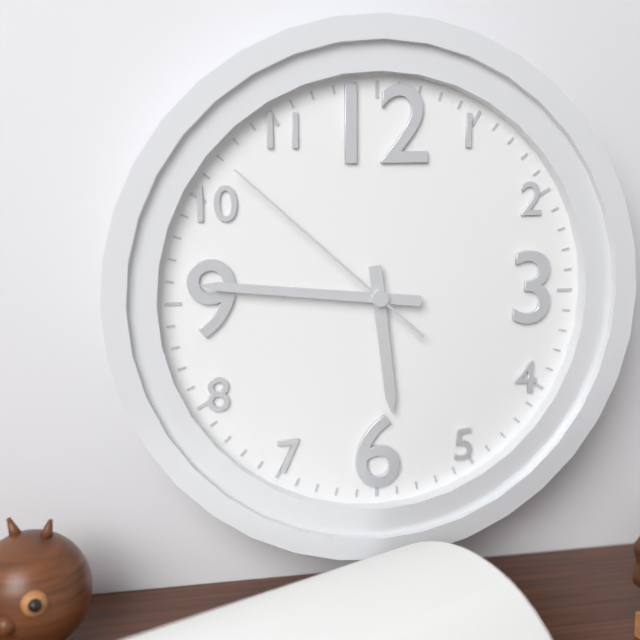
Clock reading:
5 h 46 min 52 s
